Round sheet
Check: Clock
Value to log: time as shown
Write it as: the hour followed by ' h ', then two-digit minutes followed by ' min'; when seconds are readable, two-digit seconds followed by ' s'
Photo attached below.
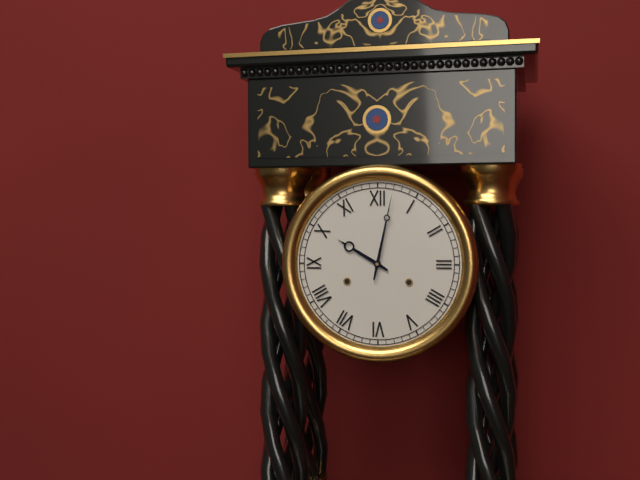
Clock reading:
10 h 02 min
